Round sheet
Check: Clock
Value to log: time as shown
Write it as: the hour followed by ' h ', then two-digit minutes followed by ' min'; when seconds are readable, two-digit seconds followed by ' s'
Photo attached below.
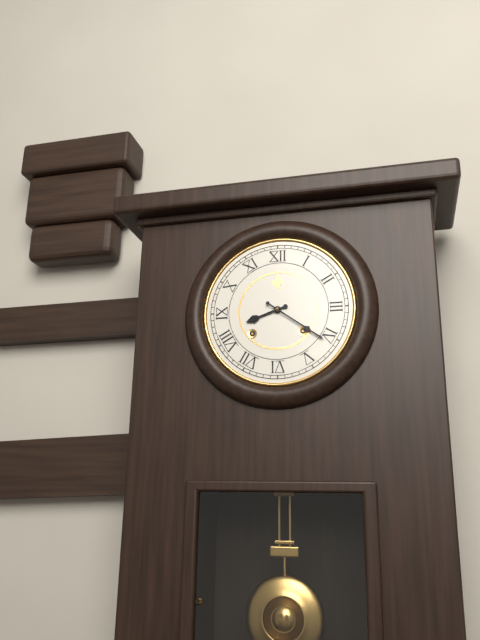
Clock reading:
8 h 21 min
